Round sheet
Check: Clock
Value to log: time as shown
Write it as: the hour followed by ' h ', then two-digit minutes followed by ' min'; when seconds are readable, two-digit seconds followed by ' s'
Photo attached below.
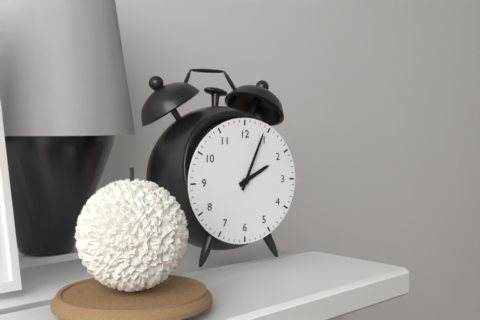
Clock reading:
2 h 04 min
